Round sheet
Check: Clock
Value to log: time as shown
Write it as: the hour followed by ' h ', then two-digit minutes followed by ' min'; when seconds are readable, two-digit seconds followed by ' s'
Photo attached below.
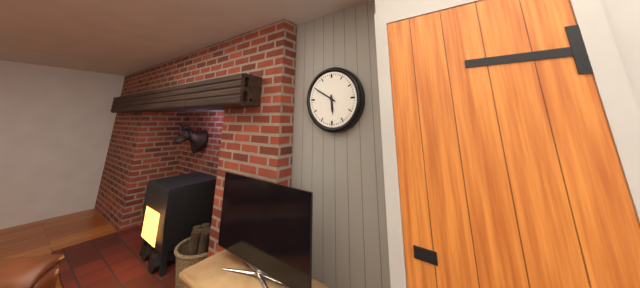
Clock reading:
5 h 50 min
